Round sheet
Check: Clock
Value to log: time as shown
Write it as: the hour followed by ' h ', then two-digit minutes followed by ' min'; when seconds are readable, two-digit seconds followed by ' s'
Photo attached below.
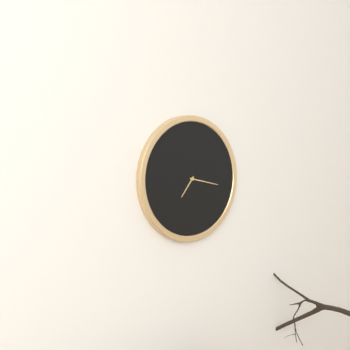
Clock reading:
7 h 17 min
